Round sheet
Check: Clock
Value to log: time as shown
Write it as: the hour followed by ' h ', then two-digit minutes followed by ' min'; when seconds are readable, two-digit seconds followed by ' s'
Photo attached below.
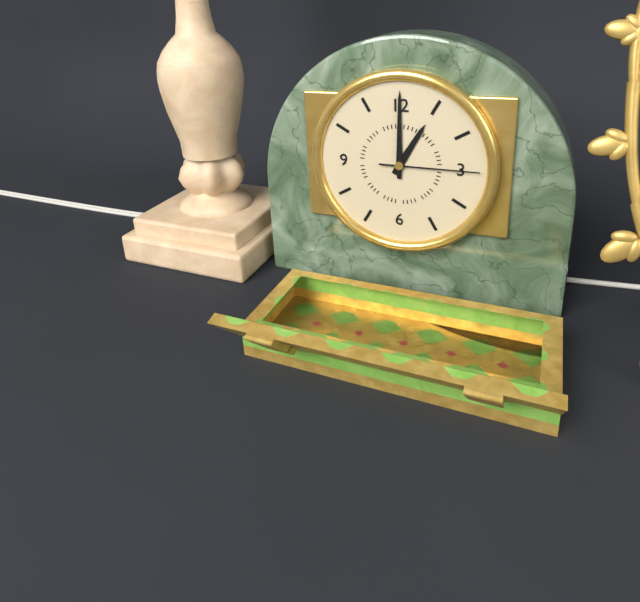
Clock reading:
1 h 00 min 15 s
